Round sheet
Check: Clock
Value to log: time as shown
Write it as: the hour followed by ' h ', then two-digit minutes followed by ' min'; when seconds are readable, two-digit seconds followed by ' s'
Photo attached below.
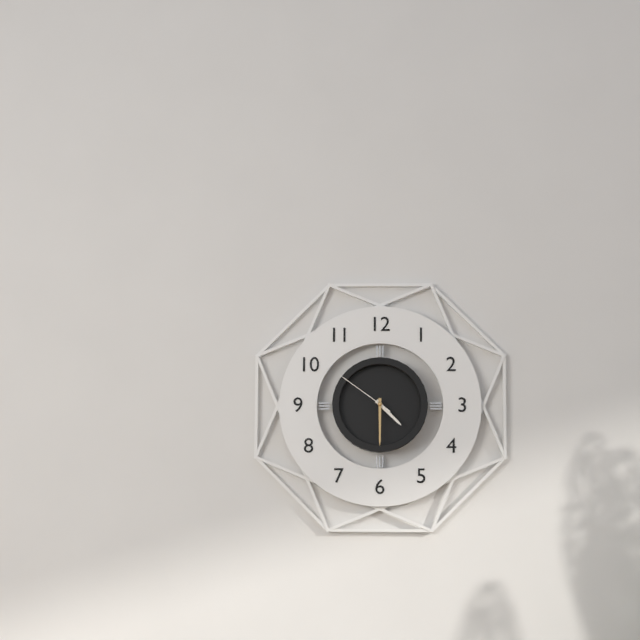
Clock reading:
4 h 30 min 51 s
